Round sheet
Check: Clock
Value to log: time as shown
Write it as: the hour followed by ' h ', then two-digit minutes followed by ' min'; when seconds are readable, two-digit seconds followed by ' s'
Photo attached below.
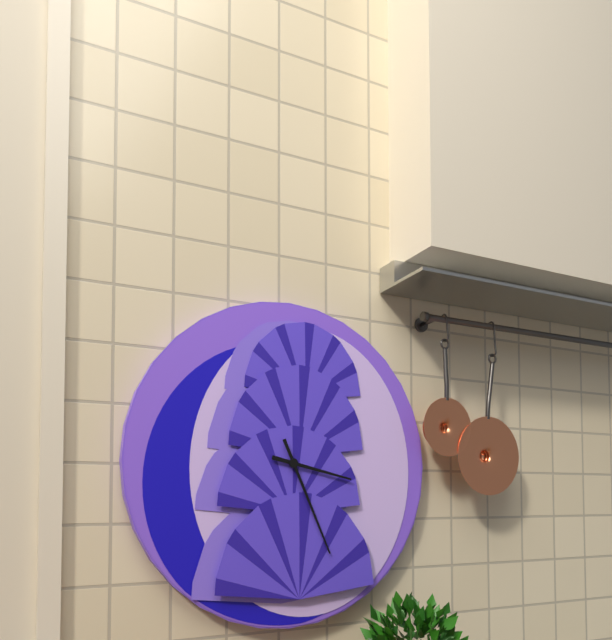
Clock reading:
3 h 26 min
